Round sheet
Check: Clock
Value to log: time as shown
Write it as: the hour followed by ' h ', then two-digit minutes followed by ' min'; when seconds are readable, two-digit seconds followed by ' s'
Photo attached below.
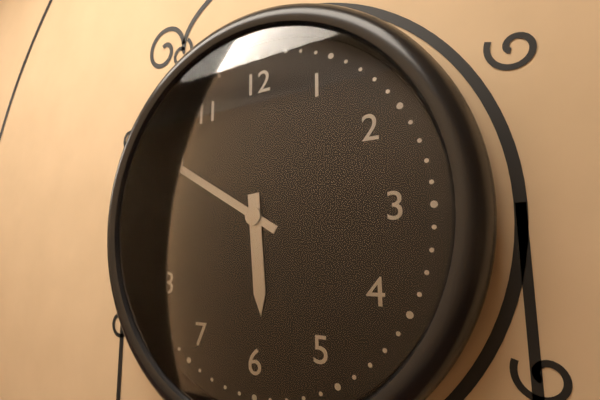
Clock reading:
5 h 50 min
